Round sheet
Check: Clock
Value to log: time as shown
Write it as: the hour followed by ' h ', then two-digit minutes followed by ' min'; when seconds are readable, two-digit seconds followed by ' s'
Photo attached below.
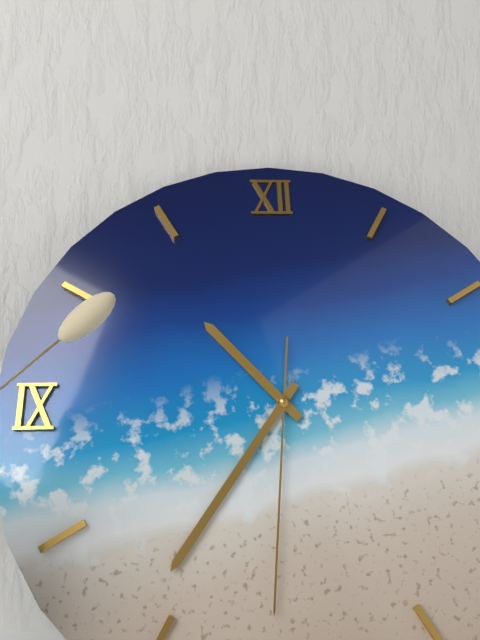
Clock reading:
10 h 36 min 31 s
